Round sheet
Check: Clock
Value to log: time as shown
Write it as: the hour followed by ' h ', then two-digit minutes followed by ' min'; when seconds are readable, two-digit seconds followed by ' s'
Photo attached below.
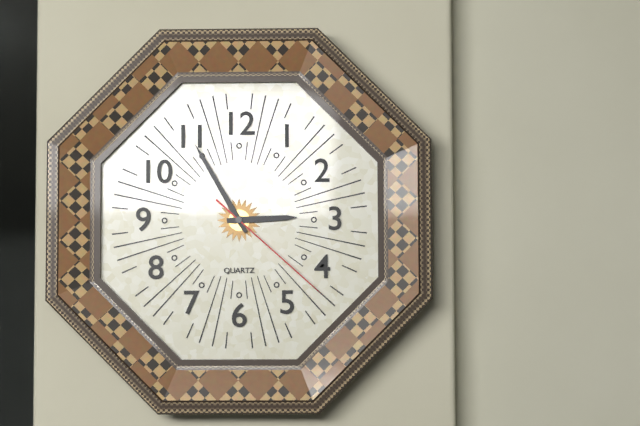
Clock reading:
2 h 55 min 22 s
